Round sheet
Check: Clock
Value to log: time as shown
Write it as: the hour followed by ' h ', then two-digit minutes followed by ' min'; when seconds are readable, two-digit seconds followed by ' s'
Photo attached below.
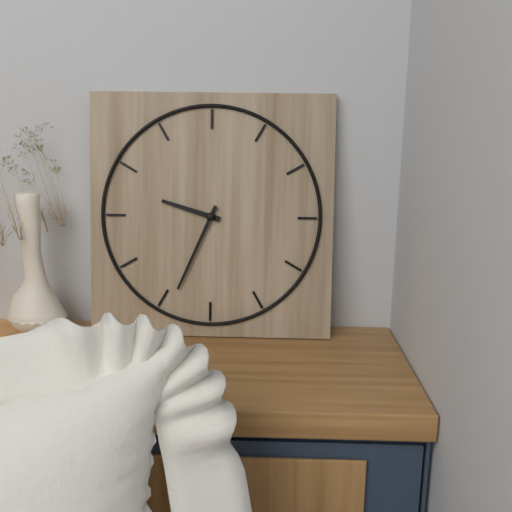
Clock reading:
9 h 34 min
